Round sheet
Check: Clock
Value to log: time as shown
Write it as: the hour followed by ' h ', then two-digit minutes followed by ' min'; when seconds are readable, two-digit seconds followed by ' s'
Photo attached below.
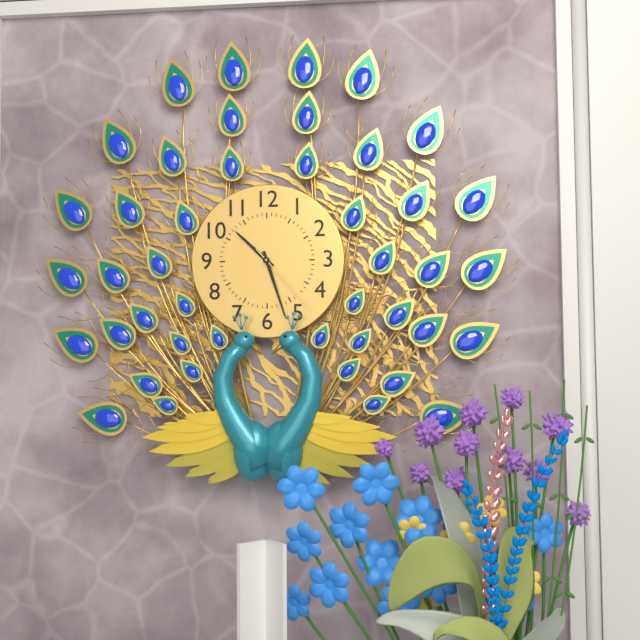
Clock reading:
10 h 27 min 23 s
